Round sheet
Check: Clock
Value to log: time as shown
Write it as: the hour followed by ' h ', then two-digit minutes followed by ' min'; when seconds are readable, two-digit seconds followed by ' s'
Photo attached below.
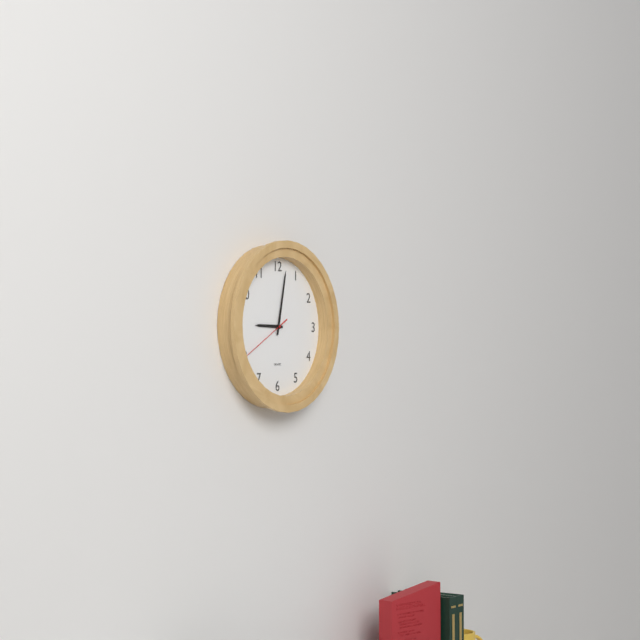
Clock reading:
9 h 02 min 40 s
